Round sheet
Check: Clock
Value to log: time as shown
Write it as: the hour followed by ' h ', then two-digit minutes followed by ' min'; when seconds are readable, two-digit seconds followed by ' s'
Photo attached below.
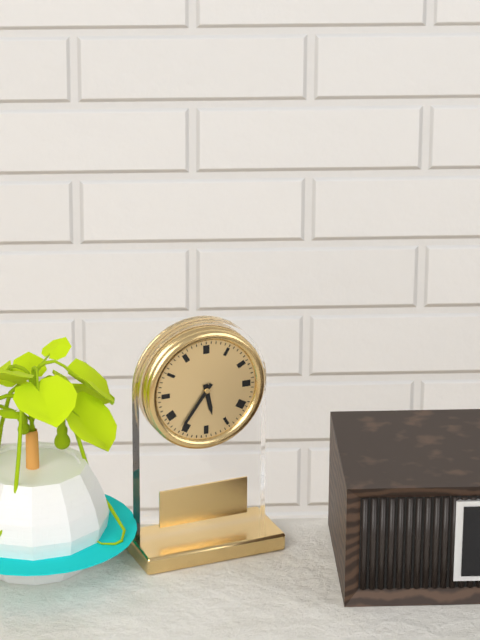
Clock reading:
5 h 36 min
